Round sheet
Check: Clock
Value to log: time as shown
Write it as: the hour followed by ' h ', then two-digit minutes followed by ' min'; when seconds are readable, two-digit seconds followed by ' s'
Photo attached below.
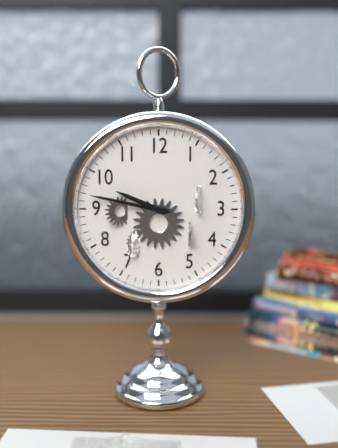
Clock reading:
9 h 47 min
